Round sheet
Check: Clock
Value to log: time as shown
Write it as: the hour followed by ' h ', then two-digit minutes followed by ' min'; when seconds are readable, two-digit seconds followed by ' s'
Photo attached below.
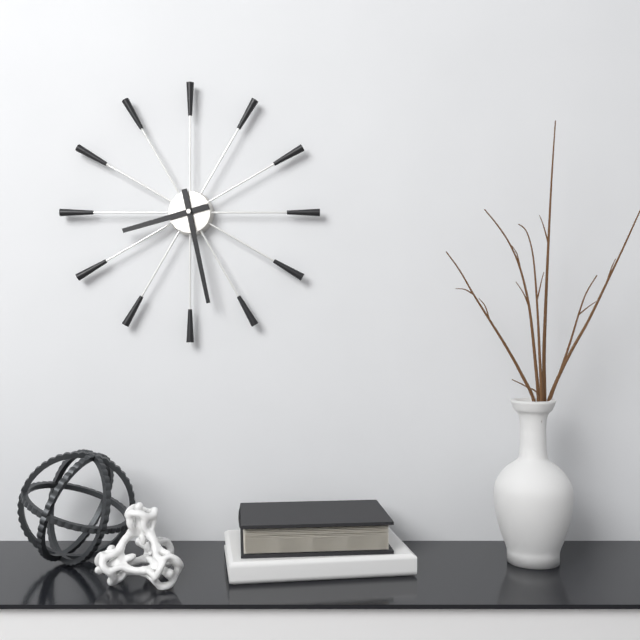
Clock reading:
8 h 28 min
